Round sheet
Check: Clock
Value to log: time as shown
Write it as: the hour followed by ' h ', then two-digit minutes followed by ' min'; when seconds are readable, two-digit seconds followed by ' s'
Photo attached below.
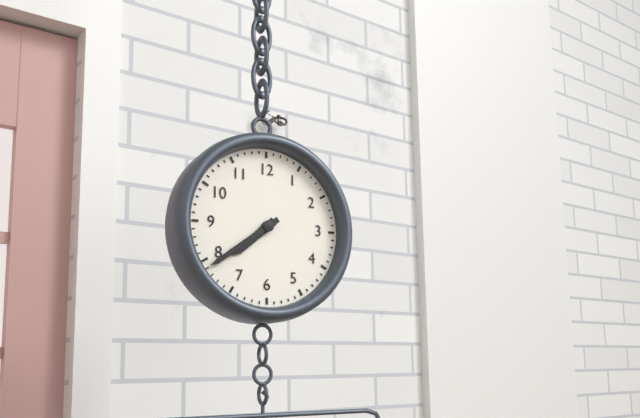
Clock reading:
7 h 39 min
